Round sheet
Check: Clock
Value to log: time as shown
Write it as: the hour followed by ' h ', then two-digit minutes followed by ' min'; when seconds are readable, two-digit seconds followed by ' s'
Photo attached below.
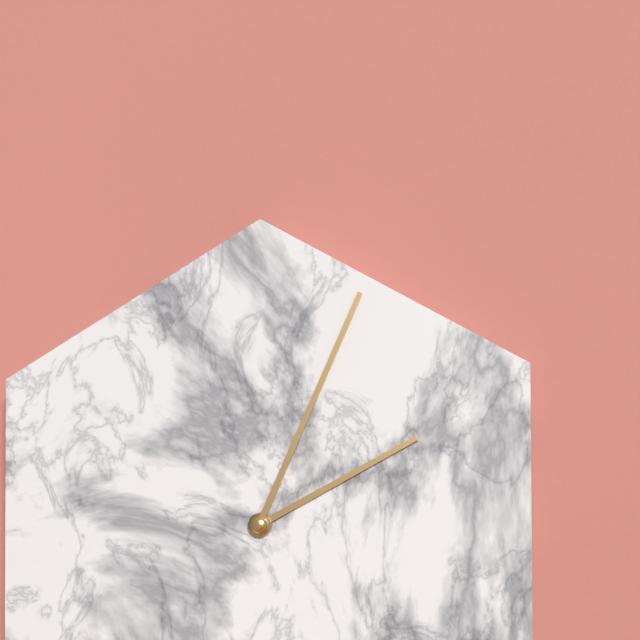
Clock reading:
2 h 04 min
